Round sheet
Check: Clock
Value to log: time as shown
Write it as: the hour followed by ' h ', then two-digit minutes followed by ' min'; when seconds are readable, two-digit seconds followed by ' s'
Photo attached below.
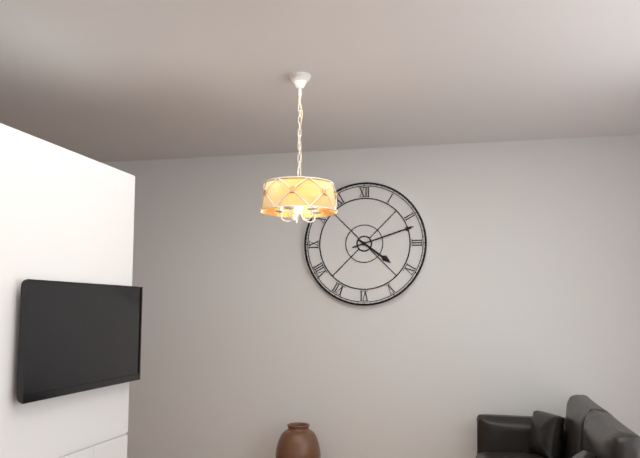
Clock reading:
4 h 12 min
